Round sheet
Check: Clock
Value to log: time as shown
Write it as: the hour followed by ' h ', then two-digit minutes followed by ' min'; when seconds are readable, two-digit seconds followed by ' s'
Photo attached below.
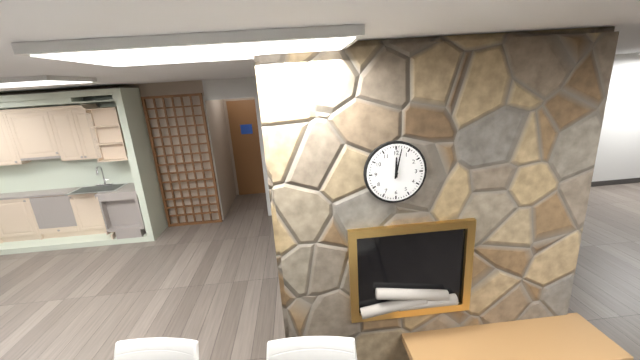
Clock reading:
12 h 02 min
